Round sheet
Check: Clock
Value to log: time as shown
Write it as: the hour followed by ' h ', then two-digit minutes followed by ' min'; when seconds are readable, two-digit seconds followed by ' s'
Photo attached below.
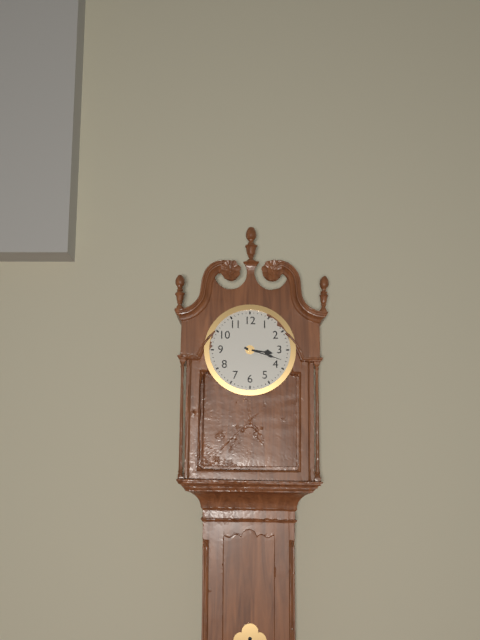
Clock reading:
3 h 18 min
